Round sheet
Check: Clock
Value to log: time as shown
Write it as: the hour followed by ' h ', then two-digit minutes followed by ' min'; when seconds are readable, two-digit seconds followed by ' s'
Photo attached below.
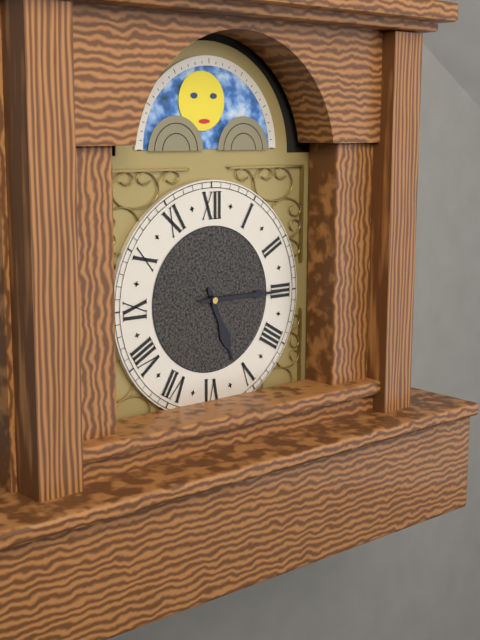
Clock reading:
5 h 15 min
